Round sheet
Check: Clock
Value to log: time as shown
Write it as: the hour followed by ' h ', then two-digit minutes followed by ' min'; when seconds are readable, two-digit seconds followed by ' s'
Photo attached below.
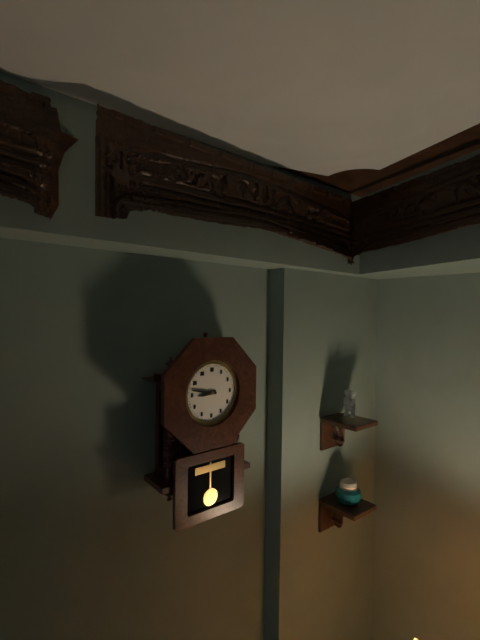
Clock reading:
8 h 47 min
